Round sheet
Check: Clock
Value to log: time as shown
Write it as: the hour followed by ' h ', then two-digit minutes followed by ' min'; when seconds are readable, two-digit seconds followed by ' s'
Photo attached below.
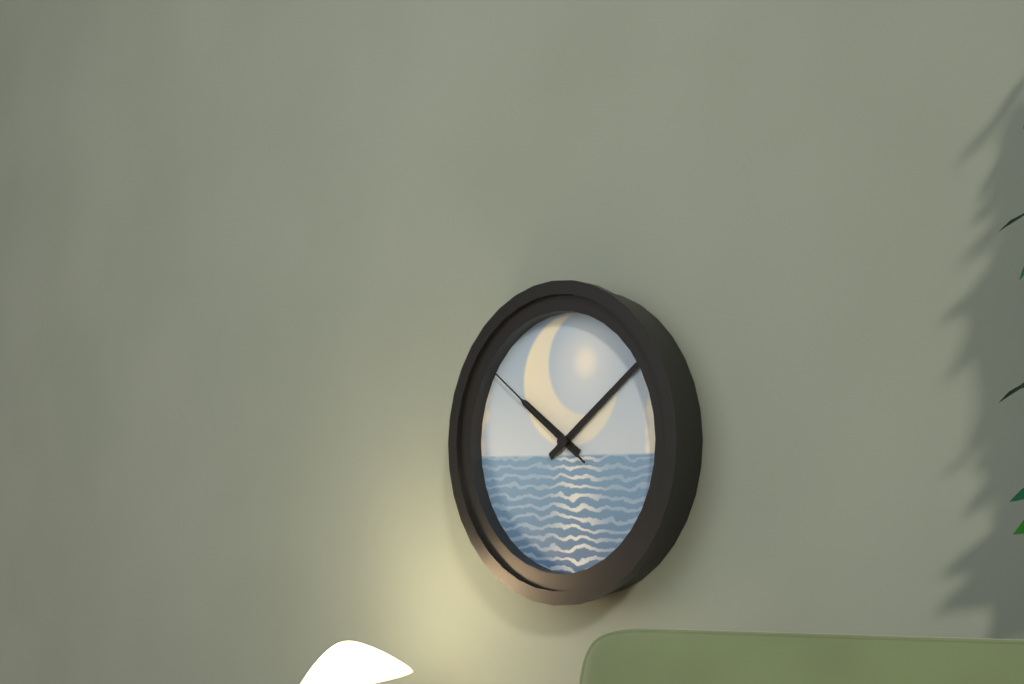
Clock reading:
10 h 09 min 51 s
